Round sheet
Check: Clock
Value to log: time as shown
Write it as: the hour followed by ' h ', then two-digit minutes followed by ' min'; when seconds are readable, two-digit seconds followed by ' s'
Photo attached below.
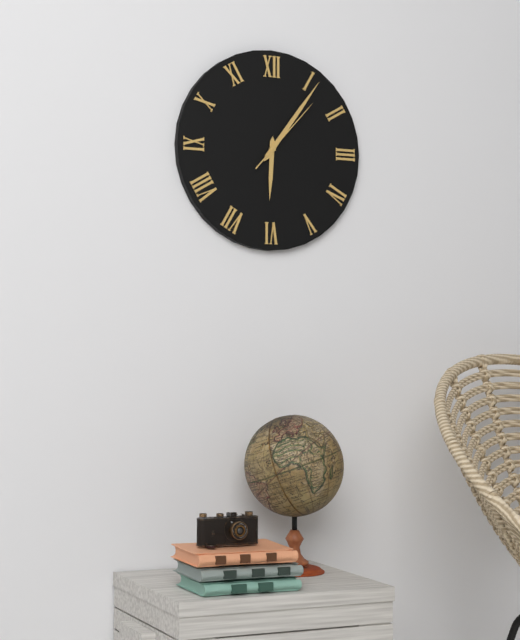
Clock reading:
6 h 06 min 07 s
